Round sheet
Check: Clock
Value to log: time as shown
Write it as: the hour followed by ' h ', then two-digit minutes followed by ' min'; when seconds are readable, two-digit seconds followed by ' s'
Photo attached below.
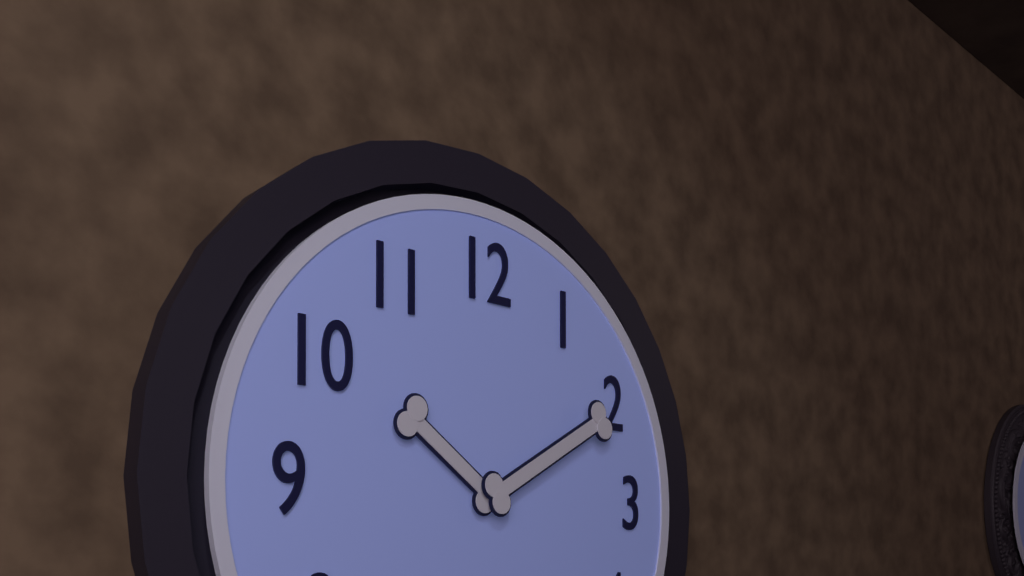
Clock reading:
10 h 10 min
